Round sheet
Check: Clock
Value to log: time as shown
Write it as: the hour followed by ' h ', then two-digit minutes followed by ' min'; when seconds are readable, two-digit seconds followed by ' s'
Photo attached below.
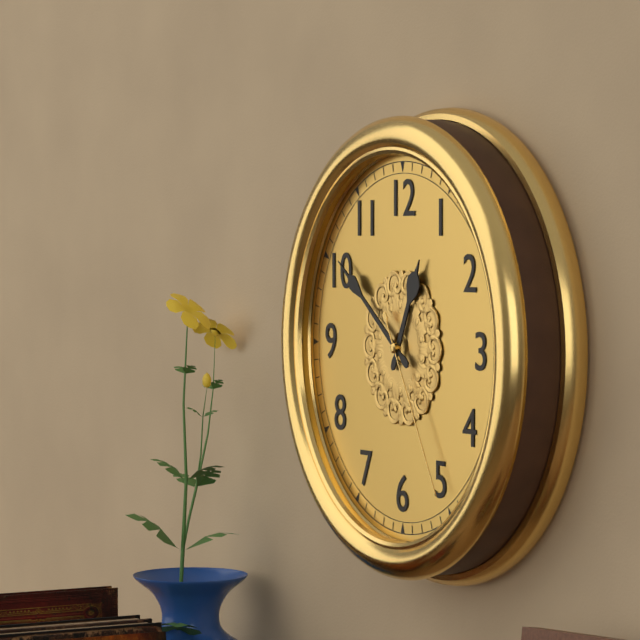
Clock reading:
12 h 51 min 25 s
